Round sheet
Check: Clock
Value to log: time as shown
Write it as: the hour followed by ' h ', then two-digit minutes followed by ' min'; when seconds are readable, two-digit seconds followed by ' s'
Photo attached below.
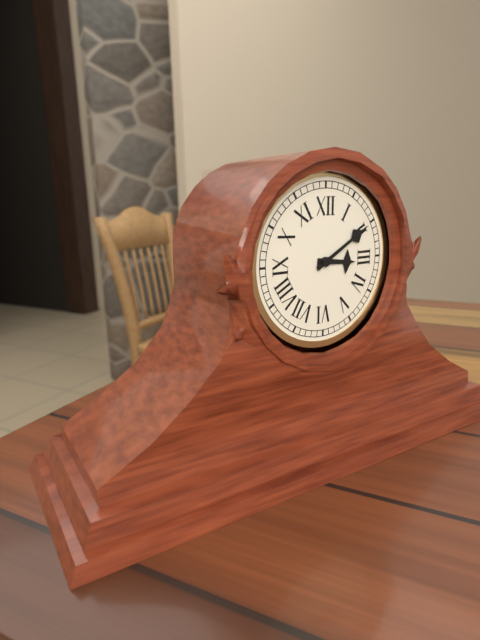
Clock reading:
3 h 10 min
